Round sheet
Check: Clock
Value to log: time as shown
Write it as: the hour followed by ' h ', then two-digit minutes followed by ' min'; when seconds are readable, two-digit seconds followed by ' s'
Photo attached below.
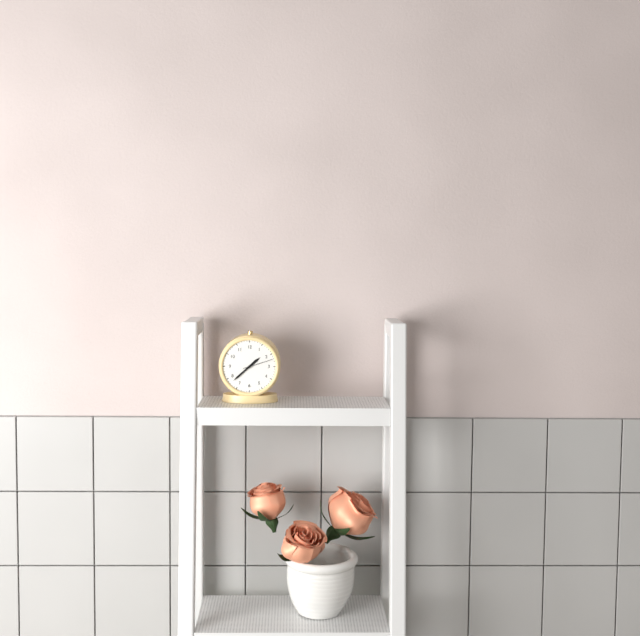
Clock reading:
1 h 38 min
